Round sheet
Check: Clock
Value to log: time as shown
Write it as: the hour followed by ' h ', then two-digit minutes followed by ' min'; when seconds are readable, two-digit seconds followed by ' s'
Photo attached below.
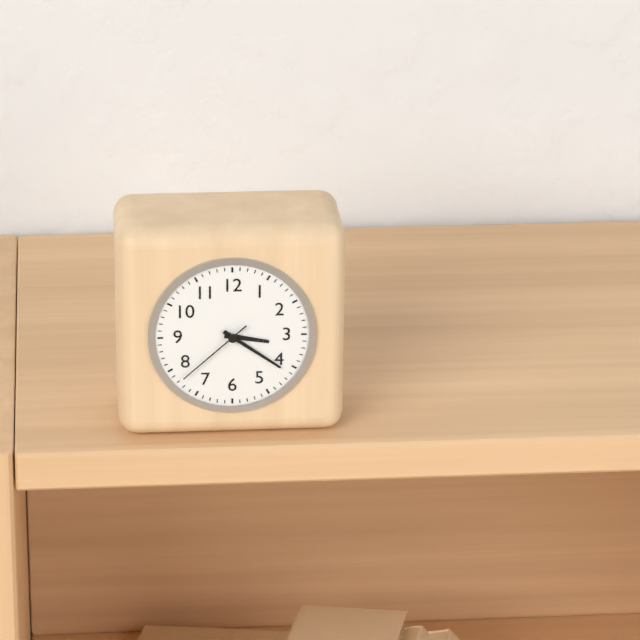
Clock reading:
3 h 21 min 38 s
